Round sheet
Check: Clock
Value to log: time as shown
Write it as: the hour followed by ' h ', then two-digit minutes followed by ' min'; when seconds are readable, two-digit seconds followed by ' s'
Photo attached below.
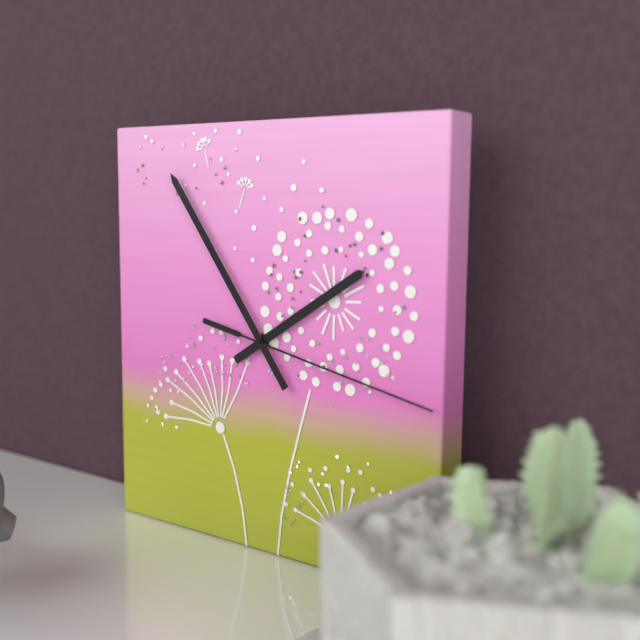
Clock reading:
1 h 54 min 17 s
